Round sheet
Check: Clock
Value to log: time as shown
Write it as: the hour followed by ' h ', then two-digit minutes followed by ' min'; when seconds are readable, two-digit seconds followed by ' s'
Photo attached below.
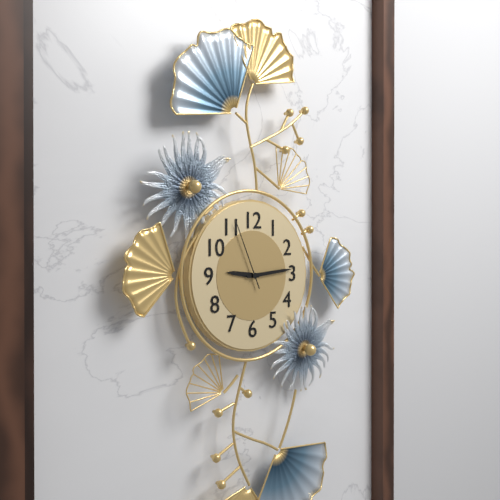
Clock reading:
9 h 14 min 56 s
